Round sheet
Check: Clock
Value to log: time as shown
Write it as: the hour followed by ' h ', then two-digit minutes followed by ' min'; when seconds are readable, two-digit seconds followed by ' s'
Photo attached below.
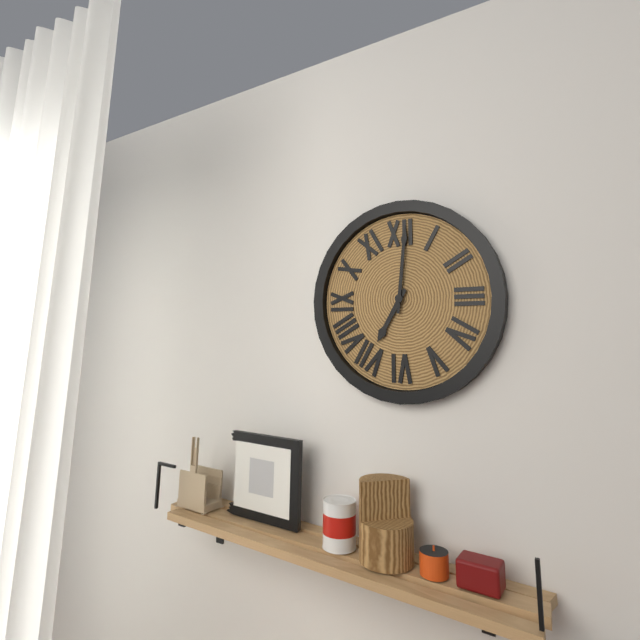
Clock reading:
7 h 01 min
